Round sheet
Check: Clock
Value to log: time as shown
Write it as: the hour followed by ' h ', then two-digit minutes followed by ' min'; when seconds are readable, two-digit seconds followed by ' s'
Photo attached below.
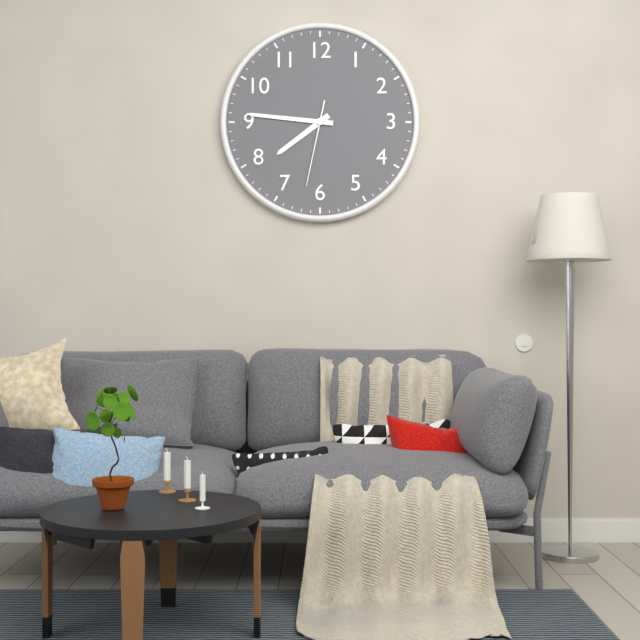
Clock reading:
7 h 46 min 32 s
